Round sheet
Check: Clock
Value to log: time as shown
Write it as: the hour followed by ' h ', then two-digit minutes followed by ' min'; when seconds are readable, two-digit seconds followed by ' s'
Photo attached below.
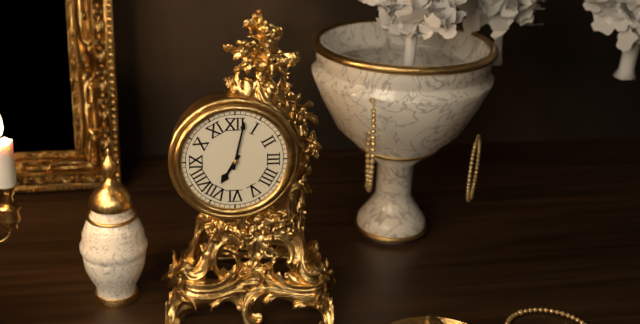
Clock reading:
7 h 02 min
